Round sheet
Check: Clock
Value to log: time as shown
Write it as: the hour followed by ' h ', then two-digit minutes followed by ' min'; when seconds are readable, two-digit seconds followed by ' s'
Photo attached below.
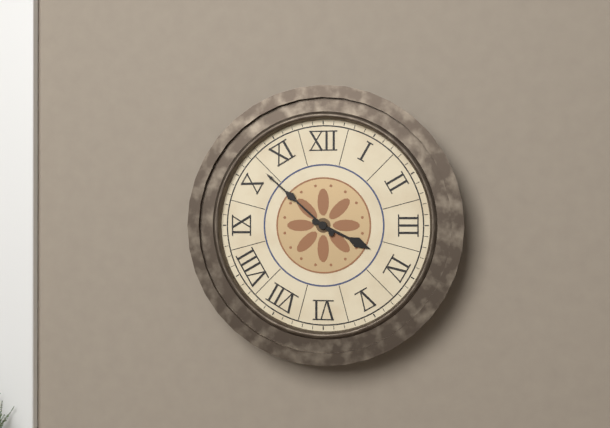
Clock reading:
3 h 52 min
